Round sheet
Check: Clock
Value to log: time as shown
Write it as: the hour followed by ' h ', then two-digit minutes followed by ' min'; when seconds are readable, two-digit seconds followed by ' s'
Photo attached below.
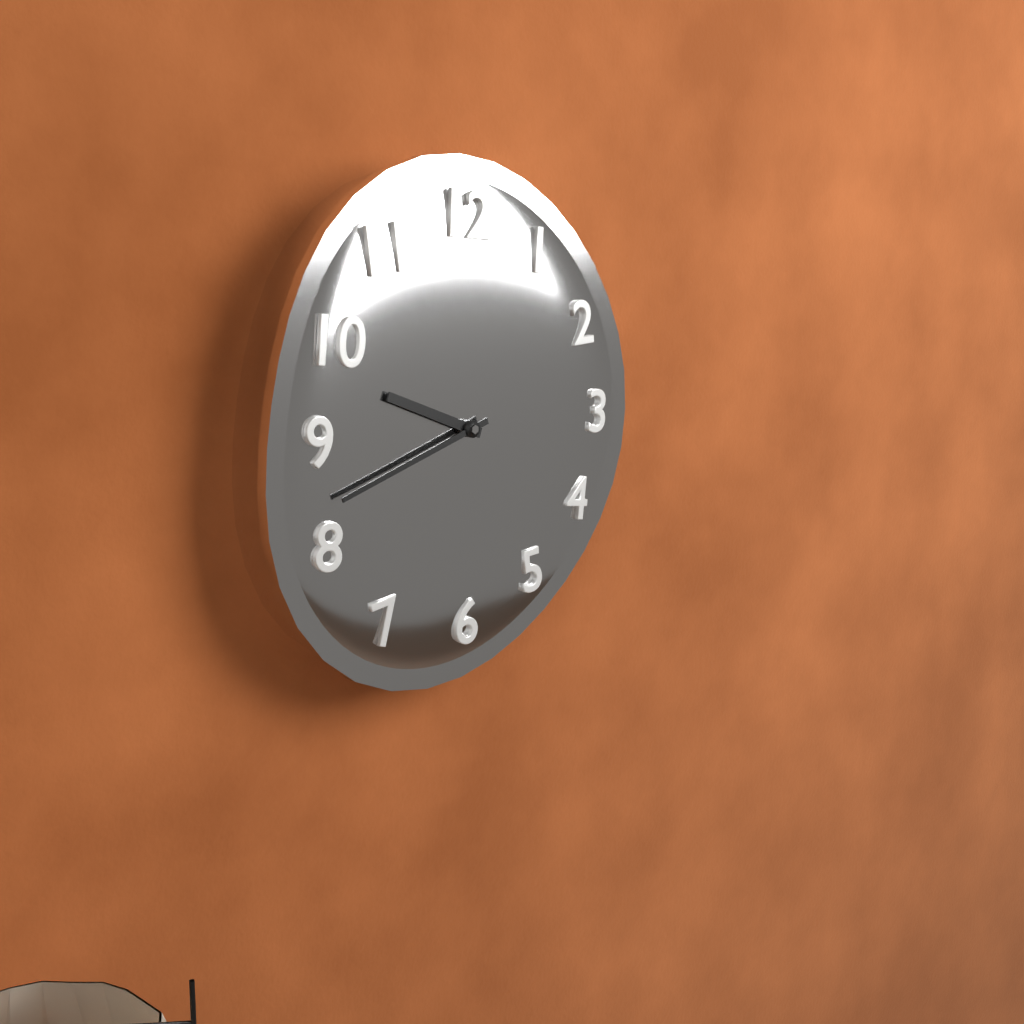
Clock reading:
9 h 42 min
